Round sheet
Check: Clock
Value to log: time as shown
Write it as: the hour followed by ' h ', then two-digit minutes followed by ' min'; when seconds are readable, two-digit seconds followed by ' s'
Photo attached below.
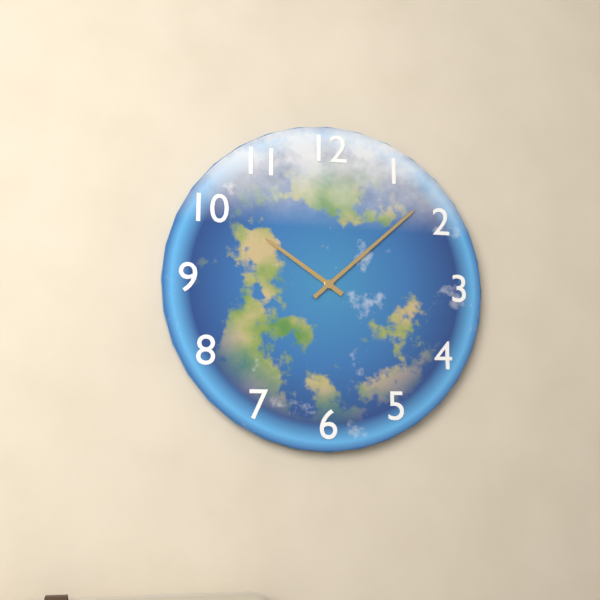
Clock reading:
10 h 08 min
